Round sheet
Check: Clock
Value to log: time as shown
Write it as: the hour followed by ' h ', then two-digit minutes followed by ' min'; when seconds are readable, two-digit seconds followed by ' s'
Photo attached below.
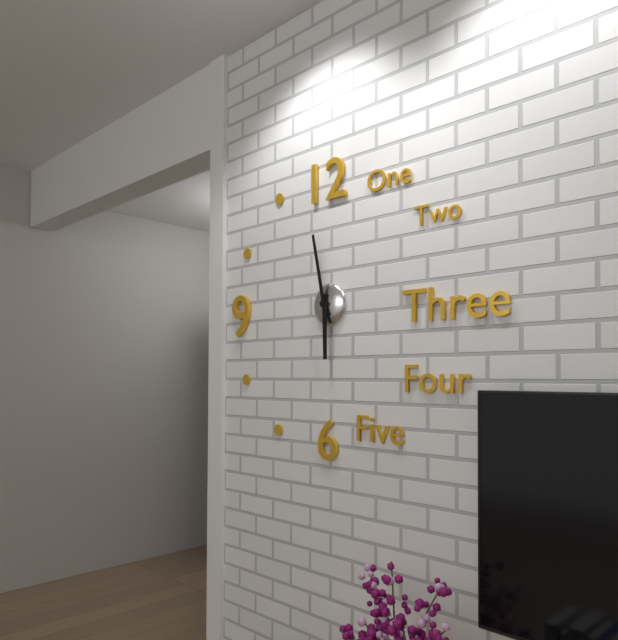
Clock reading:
5 h 58 min
